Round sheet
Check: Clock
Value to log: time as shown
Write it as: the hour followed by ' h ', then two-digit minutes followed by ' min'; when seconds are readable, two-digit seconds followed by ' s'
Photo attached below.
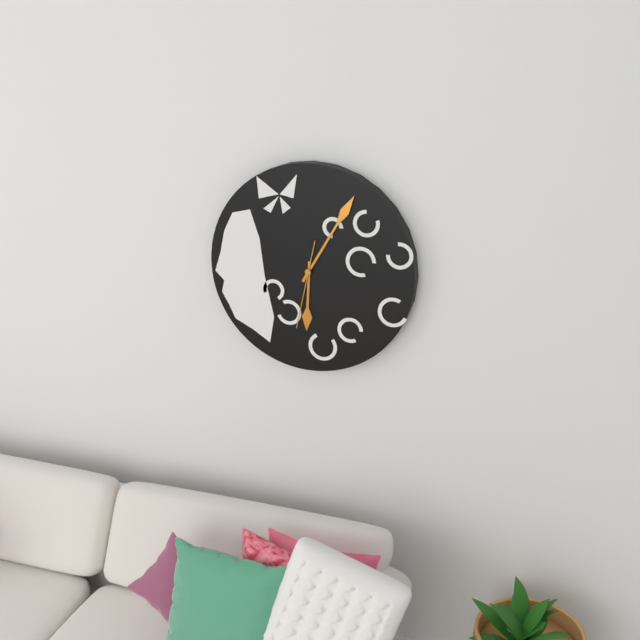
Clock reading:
6 h 05 min 32 s
